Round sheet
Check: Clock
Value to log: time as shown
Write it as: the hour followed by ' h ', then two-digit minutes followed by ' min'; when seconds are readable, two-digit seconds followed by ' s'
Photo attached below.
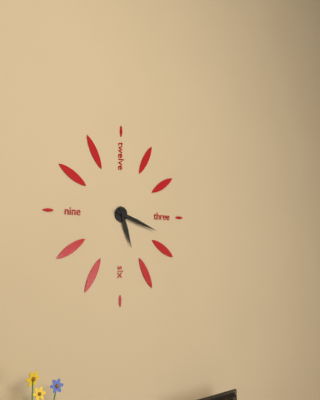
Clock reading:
5 h 18 min
